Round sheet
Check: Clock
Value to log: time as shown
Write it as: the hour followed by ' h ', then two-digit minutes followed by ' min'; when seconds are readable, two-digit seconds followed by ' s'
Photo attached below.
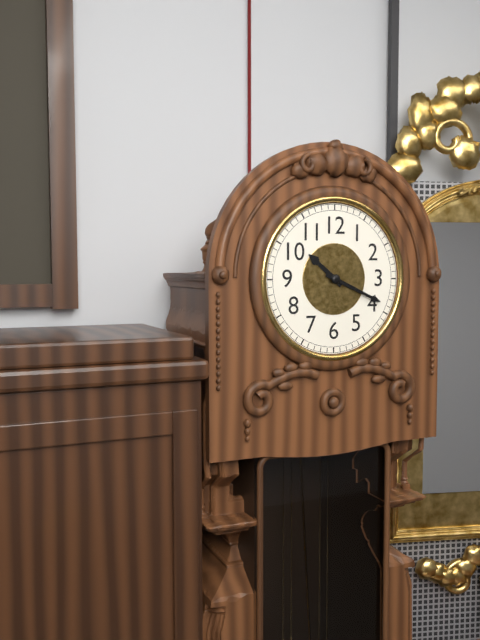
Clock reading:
10 h 19 min
